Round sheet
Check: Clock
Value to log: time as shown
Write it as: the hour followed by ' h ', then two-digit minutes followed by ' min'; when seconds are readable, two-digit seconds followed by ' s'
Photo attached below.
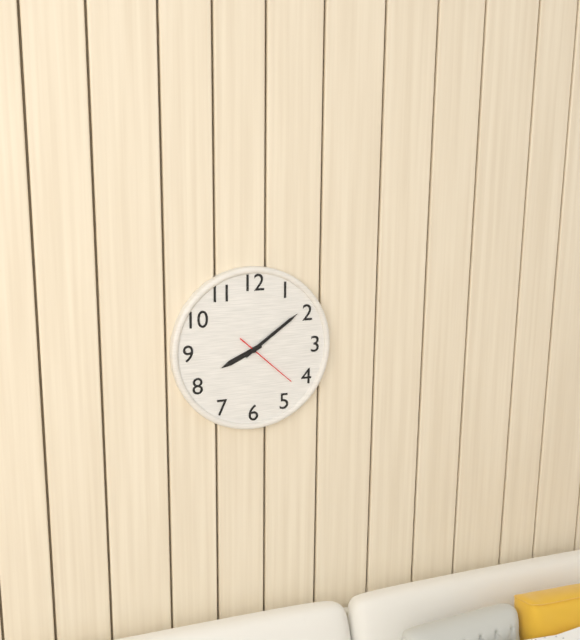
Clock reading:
8 h 09 min 22 s
